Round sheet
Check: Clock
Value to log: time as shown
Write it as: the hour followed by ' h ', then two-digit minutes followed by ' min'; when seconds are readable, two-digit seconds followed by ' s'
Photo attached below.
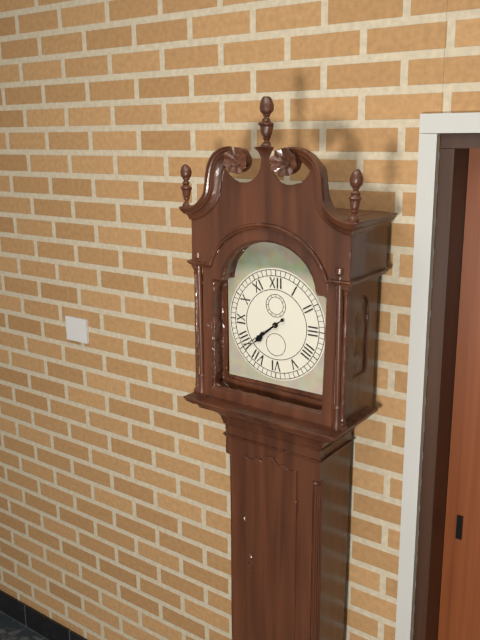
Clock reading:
7 h 39 min
